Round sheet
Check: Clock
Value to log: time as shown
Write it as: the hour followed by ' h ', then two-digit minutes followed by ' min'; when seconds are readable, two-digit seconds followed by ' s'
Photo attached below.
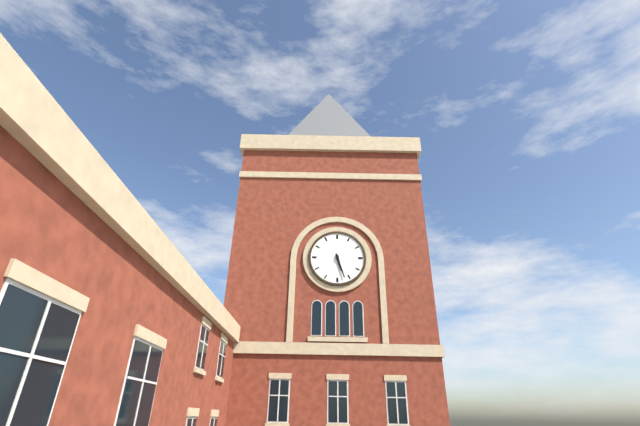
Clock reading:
5 h 27 min
